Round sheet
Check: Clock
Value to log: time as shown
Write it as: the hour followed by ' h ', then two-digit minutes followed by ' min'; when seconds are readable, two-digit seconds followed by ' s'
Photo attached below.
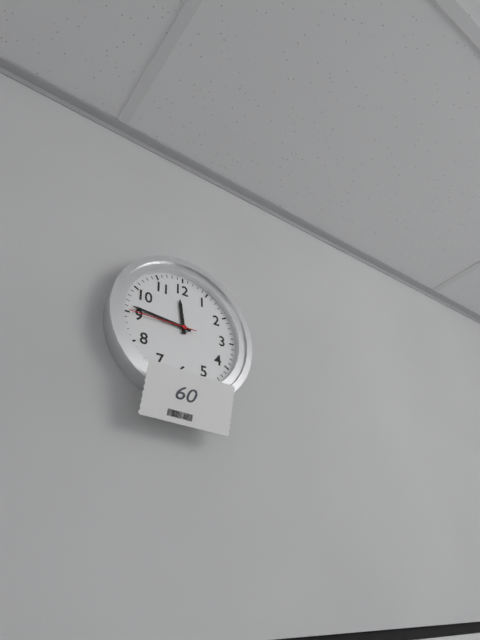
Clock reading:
11 h 46 min 45 s
